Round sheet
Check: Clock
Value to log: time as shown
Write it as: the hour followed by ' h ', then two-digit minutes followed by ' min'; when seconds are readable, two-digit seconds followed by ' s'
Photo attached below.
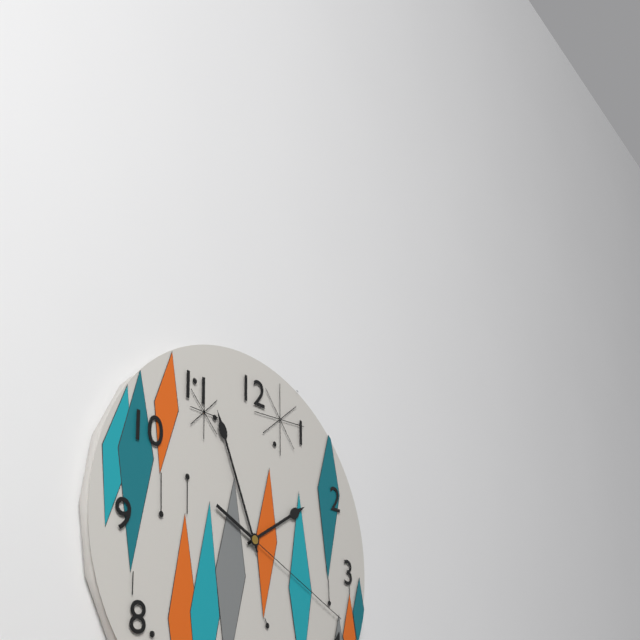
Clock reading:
1 h 56 min 19 s
